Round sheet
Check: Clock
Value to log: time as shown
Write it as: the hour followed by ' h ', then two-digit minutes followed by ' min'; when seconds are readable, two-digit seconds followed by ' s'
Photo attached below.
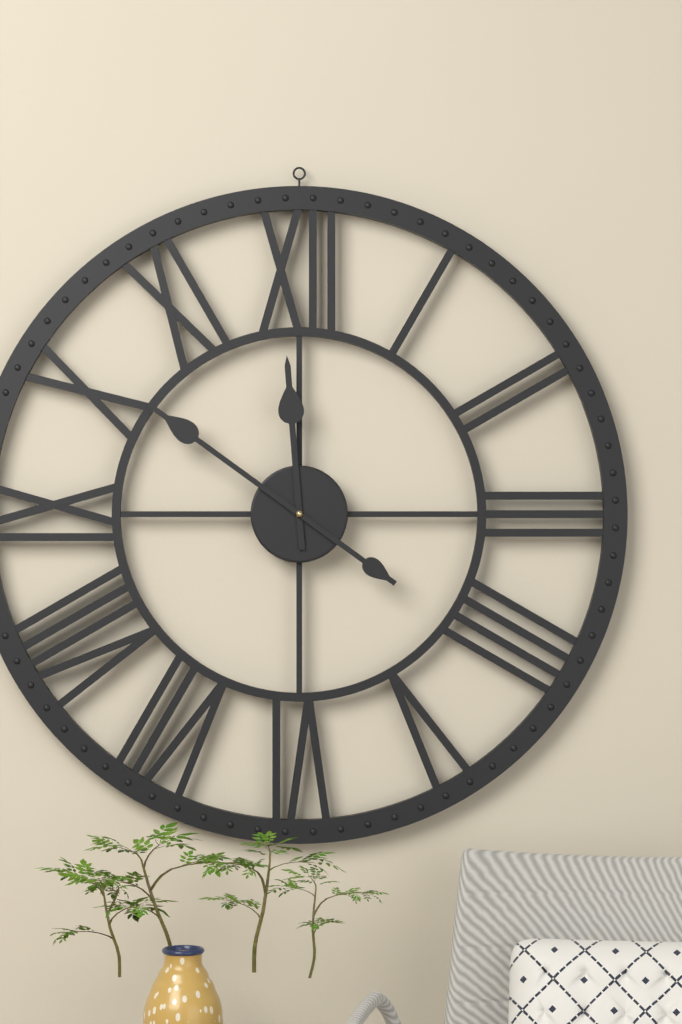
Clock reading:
11 h 51 min
